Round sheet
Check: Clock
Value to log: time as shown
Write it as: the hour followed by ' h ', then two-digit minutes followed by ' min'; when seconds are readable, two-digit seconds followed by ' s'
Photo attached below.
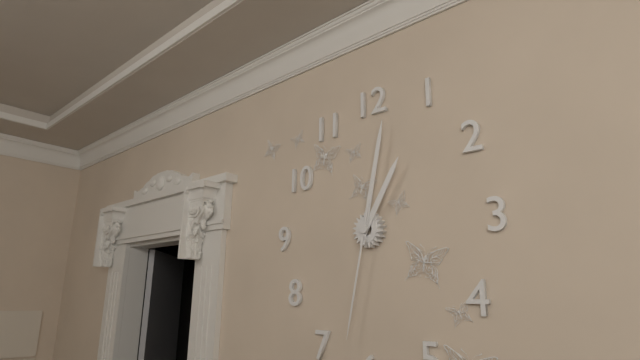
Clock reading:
1 h 02 min 32 s
